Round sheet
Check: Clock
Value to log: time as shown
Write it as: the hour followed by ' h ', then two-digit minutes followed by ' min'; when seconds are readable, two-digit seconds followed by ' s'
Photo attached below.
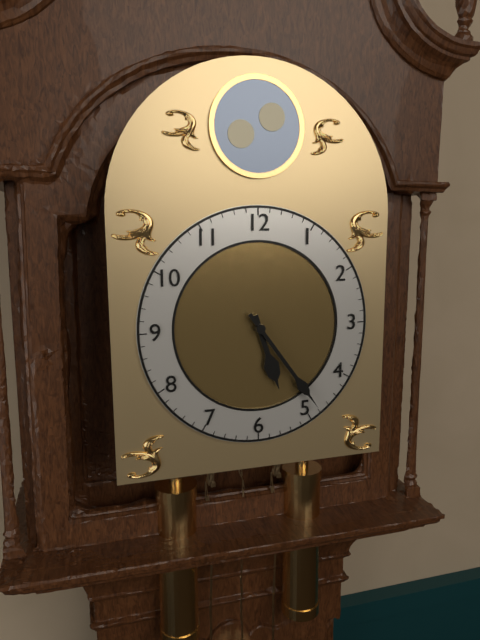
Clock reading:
5 h 24 min
